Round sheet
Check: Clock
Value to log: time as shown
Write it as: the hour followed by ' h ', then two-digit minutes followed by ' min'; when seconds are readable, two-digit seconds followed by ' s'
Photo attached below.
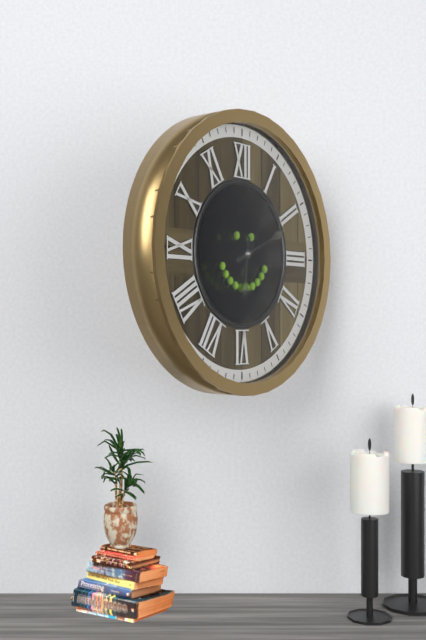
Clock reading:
6 h 11 min 05 s
